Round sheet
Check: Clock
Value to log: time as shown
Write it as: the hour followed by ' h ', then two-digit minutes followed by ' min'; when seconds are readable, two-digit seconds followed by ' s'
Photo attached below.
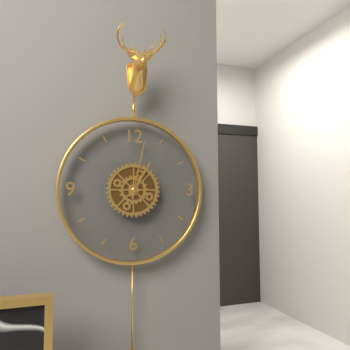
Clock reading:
1 h 02 min
